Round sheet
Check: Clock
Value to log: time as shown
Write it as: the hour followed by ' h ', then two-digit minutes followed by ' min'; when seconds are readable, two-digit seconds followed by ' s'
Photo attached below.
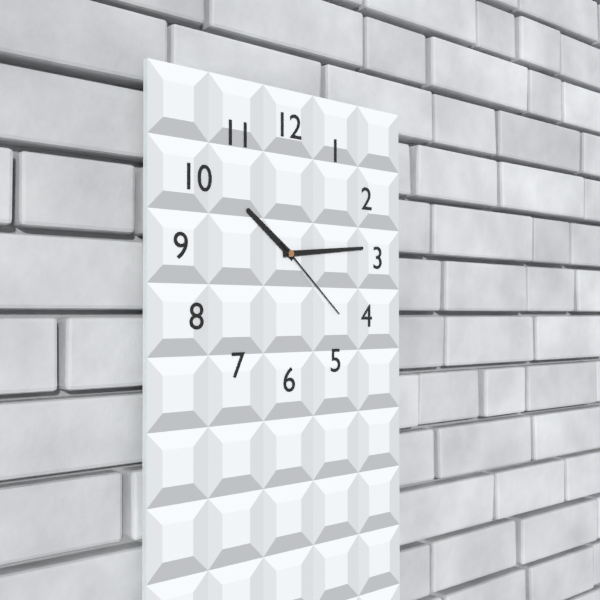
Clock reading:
10 h 14 min 22 s
